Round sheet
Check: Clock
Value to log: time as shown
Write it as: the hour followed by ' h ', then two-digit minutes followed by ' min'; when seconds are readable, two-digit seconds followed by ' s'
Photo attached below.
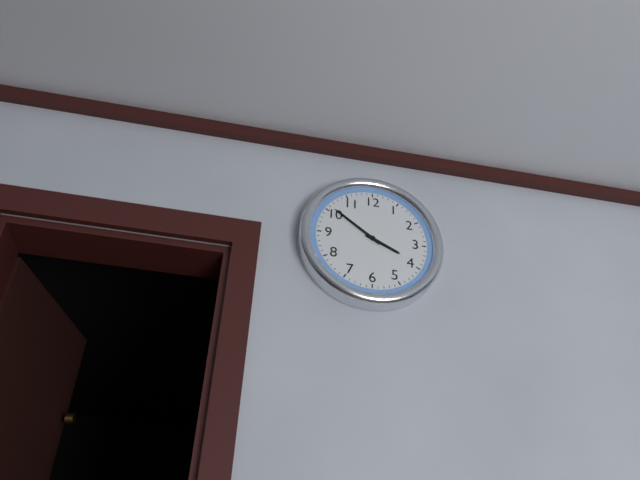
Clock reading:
3 h 51 min
